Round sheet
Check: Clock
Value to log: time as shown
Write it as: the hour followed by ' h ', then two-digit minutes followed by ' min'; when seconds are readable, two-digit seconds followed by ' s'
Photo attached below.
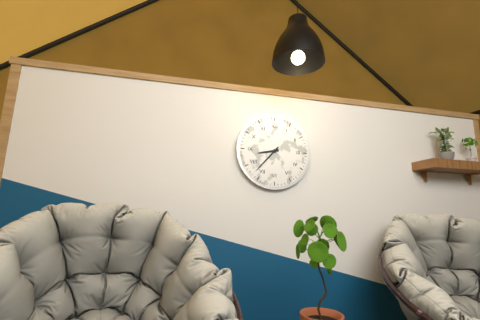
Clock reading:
8 h 37 min
